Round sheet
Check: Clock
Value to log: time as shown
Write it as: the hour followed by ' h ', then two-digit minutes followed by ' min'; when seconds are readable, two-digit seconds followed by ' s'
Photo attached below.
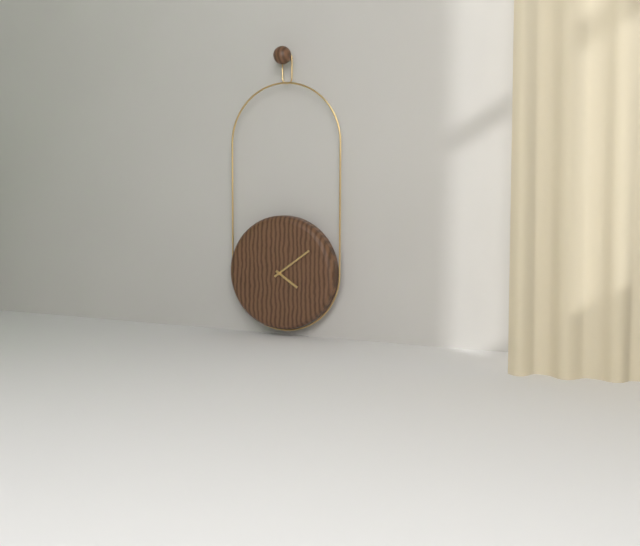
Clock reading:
4 h 09 min
